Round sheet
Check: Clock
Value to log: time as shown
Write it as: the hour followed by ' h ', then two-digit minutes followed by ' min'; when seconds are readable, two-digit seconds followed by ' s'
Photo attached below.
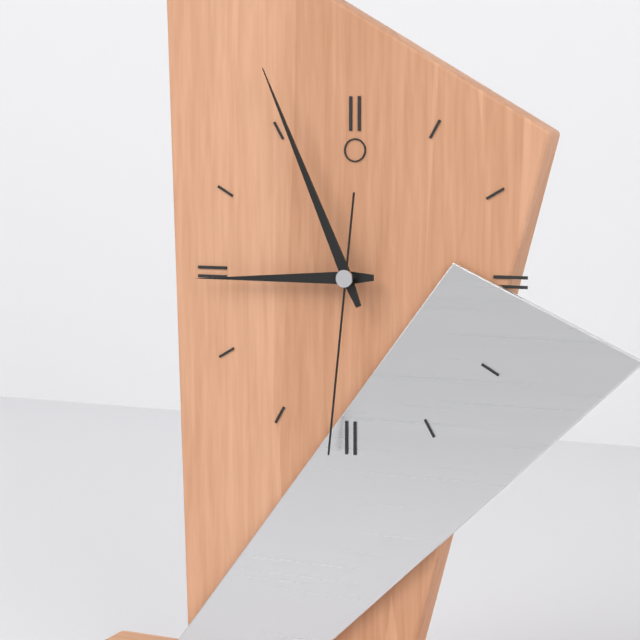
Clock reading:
8 h 56 min 31 s
